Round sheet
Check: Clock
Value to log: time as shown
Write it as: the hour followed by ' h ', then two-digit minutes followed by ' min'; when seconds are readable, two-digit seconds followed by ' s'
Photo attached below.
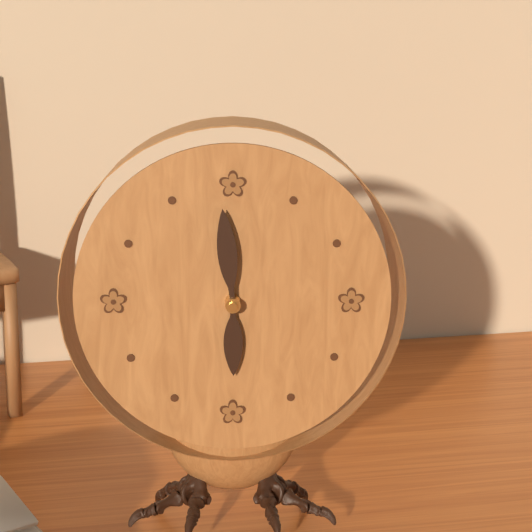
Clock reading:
5 h 59 min
